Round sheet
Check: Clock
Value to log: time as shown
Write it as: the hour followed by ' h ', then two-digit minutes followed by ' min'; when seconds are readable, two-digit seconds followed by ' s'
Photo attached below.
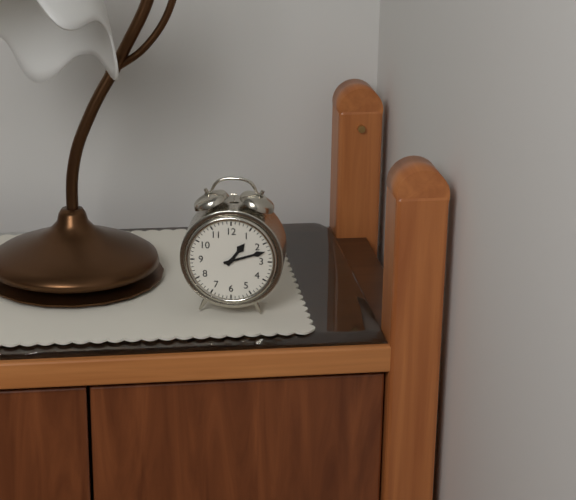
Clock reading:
1 h 12 min
